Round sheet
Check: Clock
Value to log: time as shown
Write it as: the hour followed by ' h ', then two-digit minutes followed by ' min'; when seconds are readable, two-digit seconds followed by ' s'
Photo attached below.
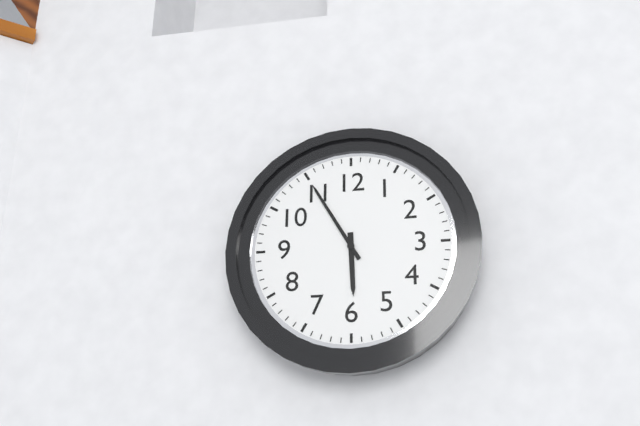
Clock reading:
5 h 55 min
